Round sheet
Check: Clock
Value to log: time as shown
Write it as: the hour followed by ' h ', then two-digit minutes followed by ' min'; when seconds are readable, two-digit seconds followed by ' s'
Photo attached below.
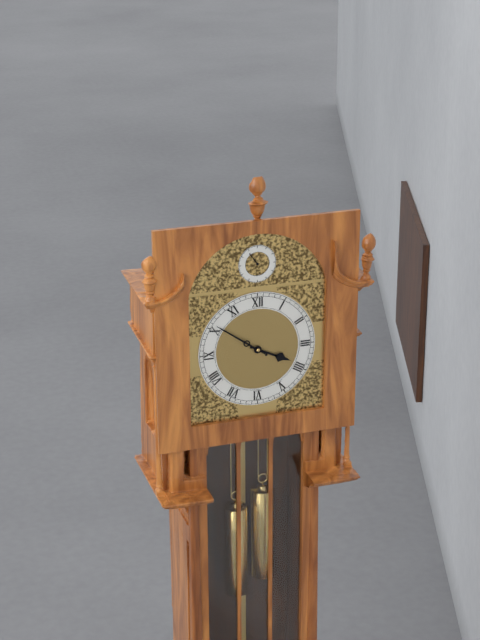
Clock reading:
3 h 51 min
